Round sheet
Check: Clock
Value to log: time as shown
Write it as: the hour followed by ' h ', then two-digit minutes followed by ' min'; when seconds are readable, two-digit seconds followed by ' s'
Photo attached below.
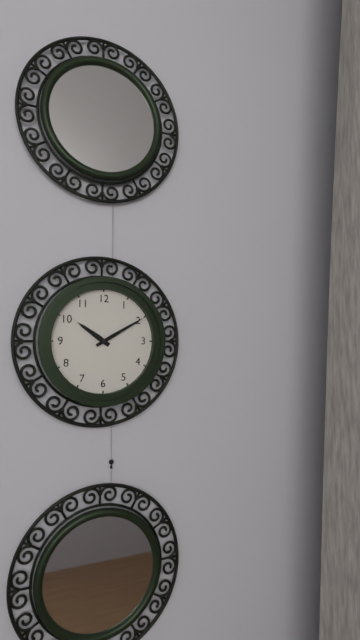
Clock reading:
10 h 10 min
